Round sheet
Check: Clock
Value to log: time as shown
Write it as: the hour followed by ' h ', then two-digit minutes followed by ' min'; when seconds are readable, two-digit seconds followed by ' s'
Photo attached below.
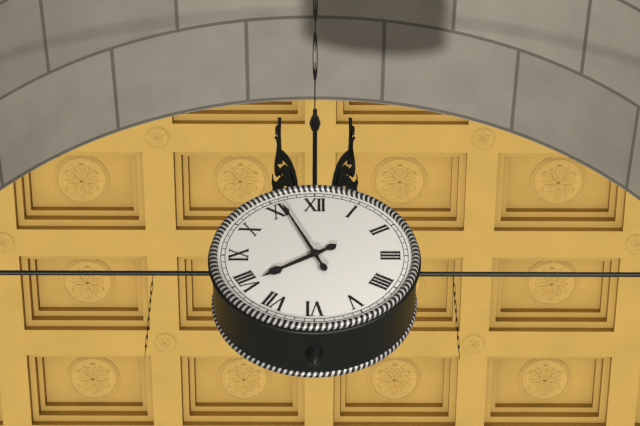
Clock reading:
7 h 56 min
